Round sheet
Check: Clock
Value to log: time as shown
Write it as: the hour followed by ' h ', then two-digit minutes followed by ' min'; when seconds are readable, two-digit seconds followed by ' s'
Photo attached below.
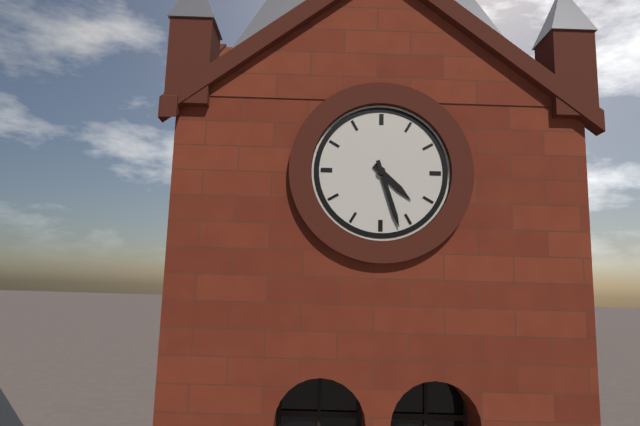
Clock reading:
4 h 27 min
